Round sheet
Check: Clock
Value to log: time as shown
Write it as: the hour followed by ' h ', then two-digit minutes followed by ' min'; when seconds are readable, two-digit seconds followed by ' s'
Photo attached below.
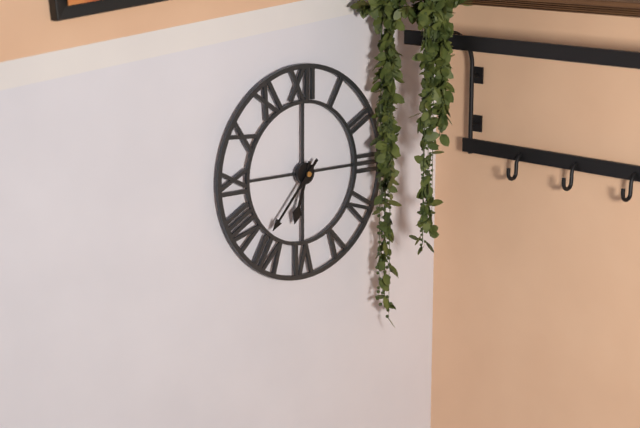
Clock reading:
6 h 37 min
